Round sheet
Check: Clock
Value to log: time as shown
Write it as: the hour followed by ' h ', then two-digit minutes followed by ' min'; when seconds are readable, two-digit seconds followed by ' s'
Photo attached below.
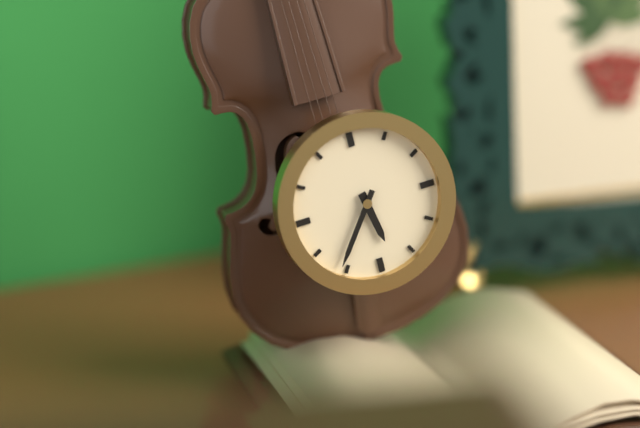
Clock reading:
5 h 36 min
